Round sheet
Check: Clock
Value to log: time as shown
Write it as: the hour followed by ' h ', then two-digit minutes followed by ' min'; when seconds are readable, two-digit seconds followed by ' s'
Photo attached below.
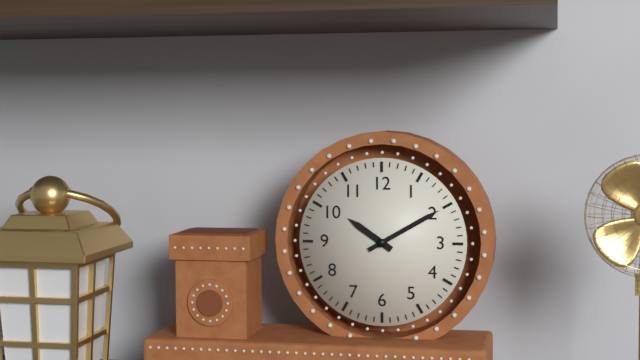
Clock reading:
10 h 10 min
